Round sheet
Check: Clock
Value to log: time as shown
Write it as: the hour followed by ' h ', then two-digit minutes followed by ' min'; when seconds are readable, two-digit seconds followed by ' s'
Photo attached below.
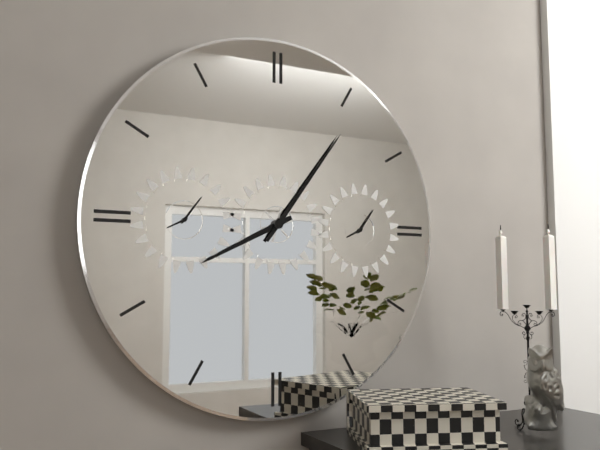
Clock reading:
8 h 06 min
